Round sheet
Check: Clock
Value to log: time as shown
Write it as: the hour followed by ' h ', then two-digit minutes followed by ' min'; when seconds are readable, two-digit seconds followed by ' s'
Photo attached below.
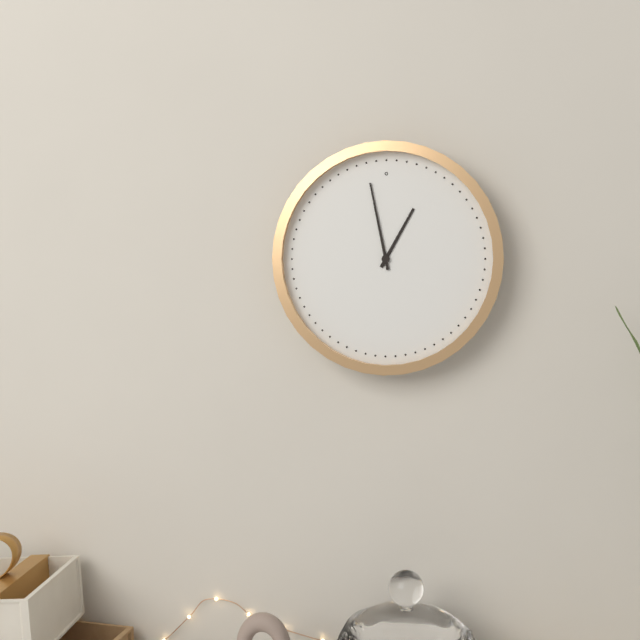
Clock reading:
12 h 58 min
